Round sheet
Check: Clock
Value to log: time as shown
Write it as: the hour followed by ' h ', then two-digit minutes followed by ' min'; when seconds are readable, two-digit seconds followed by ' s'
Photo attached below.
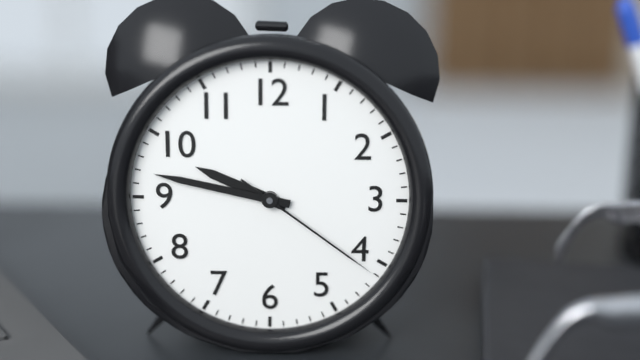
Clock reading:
9 h 47 min 21 s
